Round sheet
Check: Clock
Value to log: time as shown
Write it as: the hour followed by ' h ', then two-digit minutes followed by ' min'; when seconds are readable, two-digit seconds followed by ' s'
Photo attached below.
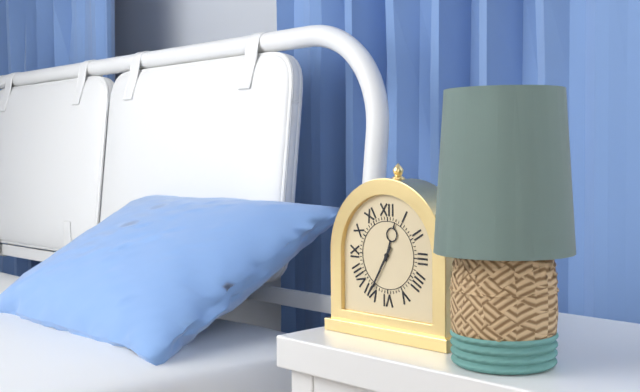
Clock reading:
12 h 35 min
